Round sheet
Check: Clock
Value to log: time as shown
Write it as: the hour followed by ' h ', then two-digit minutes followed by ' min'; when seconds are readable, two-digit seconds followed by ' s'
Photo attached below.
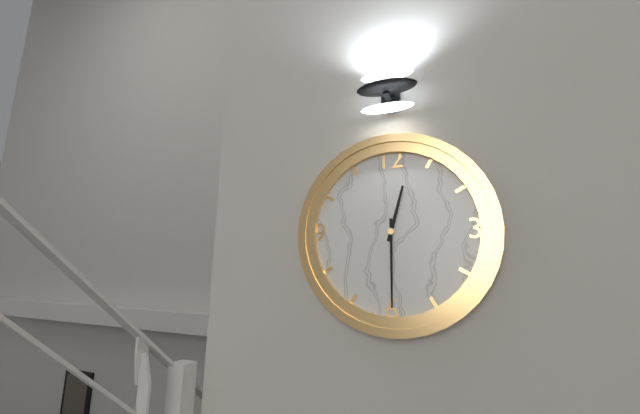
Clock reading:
12 h 30 min
